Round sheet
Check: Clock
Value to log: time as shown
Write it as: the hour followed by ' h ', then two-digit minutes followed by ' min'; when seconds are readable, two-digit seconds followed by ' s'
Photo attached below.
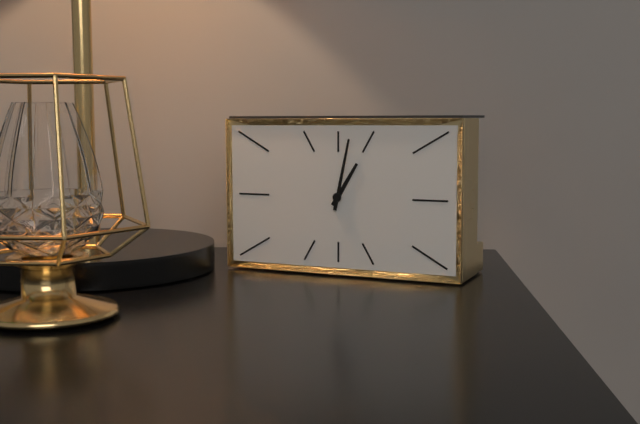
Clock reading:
1 h 02 min
